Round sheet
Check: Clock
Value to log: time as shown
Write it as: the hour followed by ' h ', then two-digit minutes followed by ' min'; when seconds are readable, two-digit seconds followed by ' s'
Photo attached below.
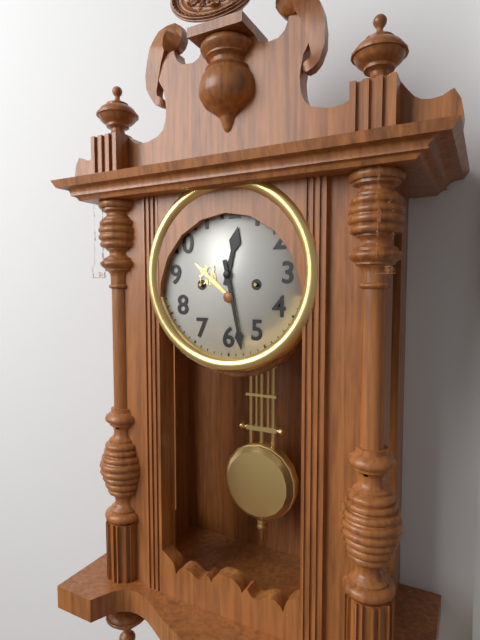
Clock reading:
12 h 28 min
